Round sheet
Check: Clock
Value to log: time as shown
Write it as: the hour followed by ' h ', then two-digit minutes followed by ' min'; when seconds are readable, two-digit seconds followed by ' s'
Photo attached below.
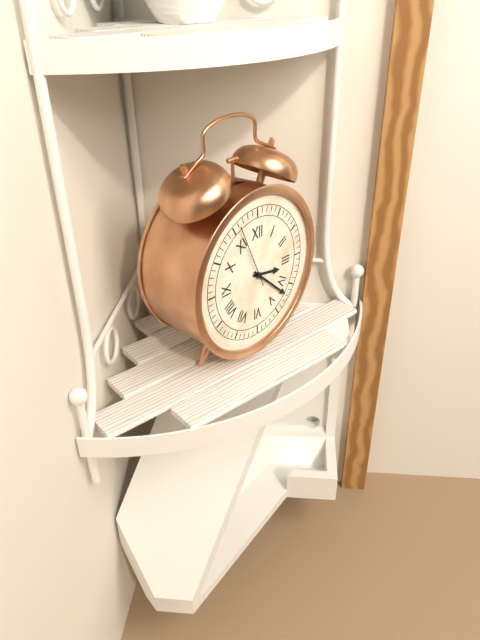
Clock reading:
3 h 22 min 56 s
